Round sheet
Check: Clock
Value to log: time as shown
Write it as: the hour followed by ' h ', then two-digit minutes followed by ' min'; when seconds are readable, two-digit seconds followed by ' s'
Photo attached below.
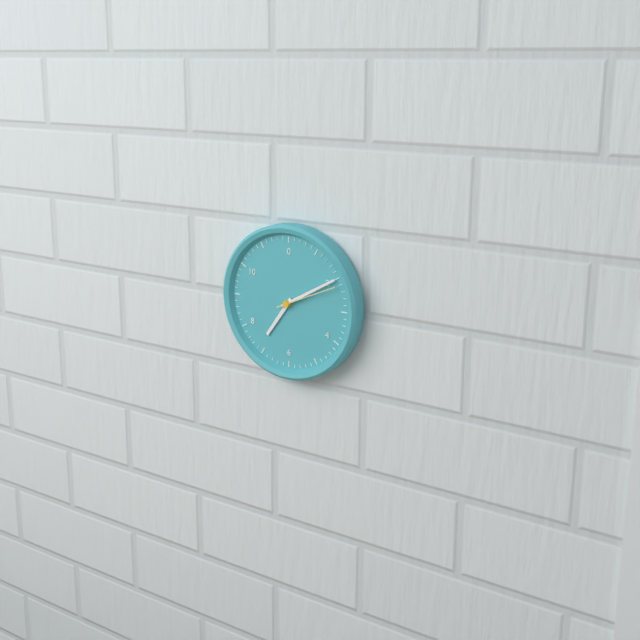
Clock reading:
7 h 10 min
